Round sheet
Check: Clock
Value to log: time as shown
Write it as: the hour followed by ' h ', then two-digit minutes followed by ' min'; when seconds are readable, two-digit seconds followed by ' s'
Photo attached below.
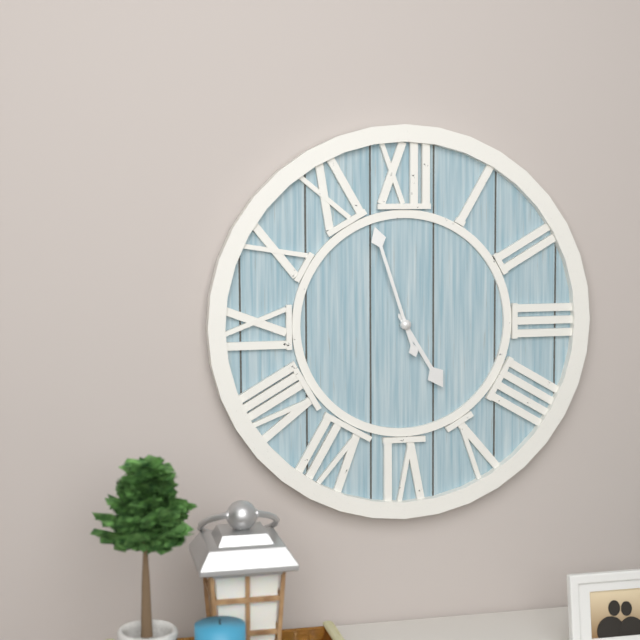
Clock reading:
4 h 57 min
